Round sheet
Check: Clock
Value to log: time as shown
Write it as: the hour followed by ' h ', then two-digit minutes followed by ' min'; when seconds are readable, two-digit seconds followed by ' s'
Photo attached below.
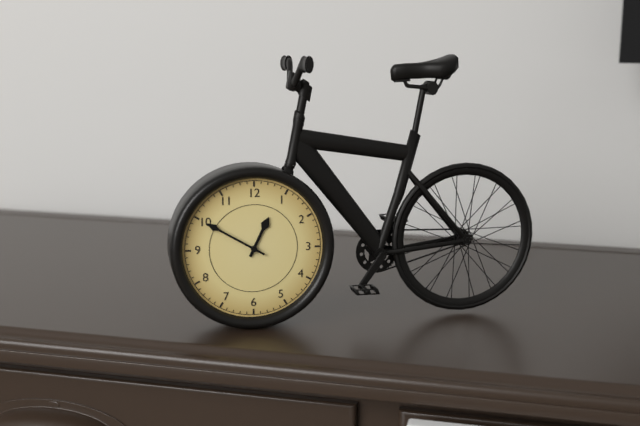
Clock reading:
12 h 50 min
